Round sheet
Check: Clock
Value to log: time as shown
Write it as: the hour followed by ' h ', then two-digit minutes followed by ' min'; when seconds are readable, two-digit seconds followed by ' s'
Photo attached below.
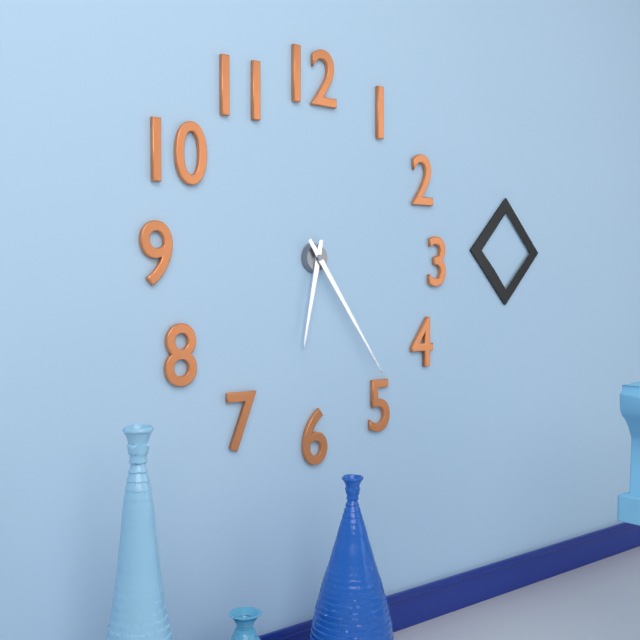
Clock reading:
6 h 24 min
